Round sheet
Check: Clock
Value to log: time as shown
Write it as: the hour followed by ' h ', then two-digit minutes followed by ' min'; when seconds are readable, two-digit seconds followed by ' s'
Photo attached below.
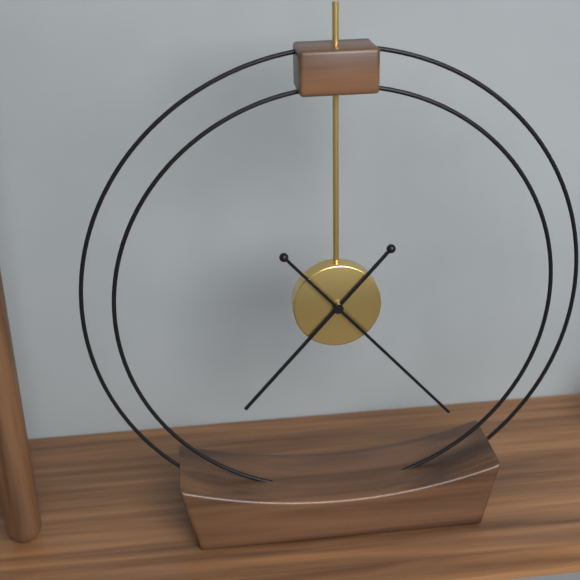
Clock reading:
7 h 23 min
